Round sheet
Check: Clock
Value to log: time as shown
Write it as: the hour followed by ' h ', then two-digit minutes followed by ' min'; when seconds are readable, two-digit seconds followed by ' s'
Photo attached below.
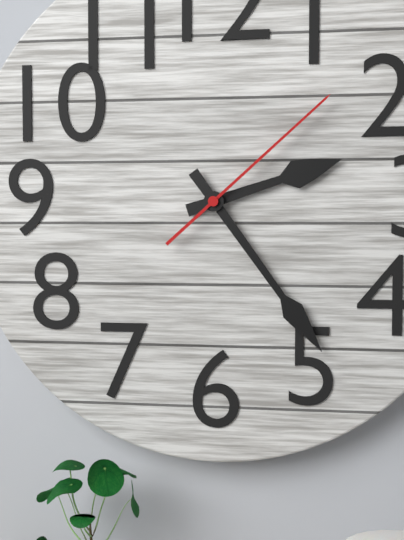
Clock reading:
2 h 24 min 08 s
